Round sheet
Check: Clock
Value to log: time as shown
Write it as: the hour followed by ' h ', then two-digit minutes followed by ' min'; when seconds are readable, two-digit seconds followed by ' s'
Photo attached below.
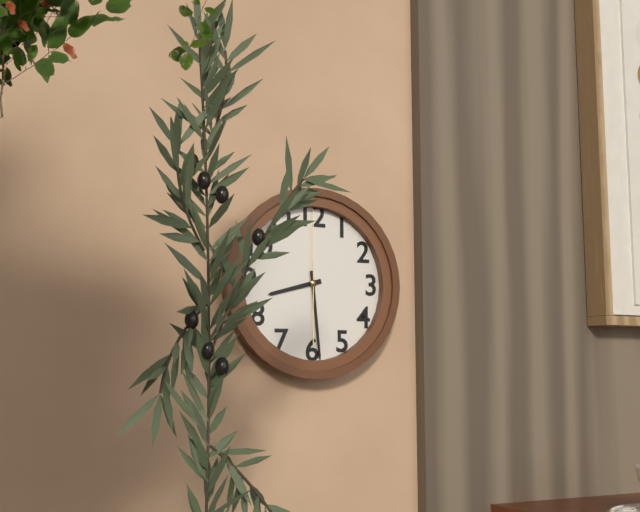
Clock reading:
8 h 29 min 00 s
